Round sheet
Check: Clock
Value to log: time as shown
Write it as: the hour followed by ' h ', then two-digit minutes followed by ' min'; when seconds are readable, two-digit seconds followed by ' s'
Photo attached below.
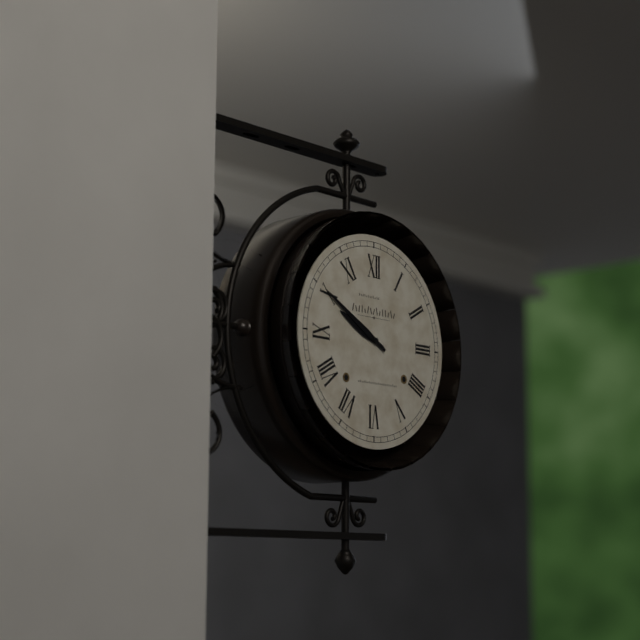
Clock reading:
9 h 50 min
